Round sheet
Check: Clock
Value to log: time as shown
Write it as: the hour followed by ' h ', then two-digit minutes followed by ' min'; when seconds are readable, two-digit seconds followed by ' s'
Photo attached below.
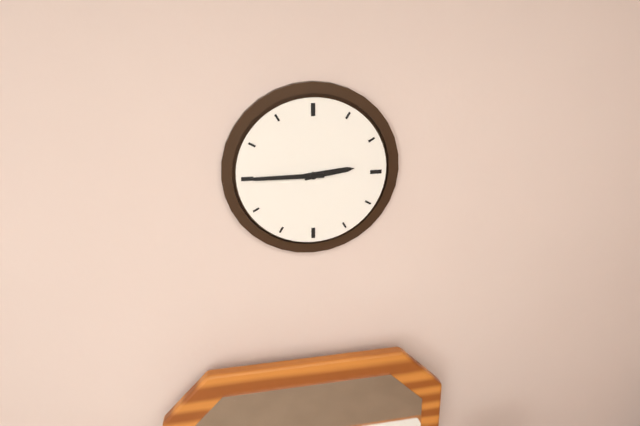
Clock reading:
2 h 45 min
